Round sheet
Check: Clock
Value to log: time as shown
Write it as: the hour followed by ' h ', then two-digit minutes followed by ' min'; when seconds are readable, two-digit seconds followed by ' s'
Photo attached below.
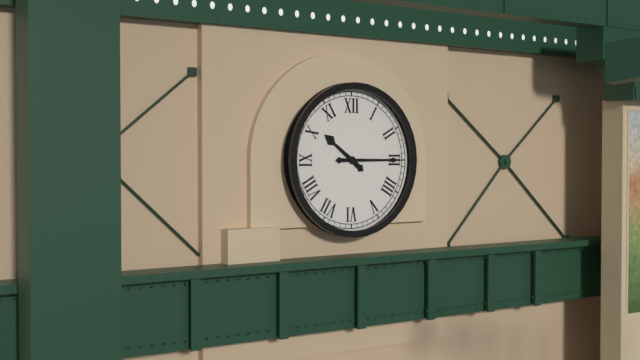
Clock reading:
10 h 15 min
